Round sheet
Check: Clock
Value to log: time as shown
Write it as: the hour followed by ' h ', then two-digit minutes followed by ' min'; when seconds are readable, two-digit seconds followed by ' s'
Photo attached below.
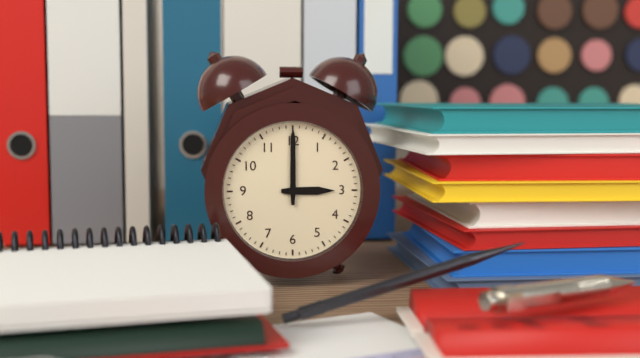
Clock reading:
3 h 00 min
